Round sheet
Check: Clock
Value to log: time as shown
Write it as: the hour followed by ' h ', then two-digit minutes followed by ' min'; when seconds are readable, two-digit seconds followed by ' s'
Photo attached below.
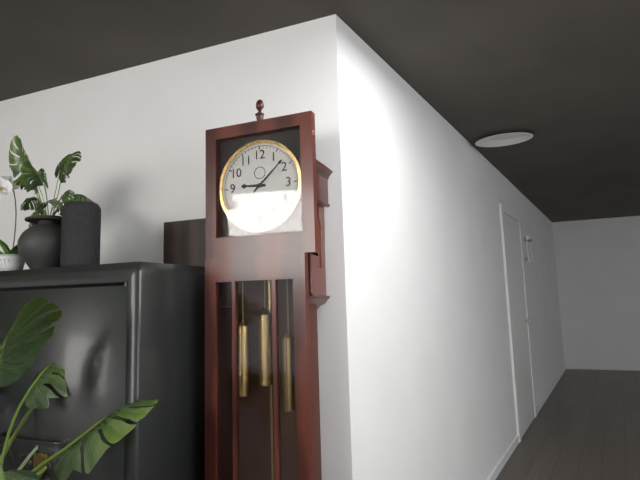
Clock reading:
9 h 08 min
